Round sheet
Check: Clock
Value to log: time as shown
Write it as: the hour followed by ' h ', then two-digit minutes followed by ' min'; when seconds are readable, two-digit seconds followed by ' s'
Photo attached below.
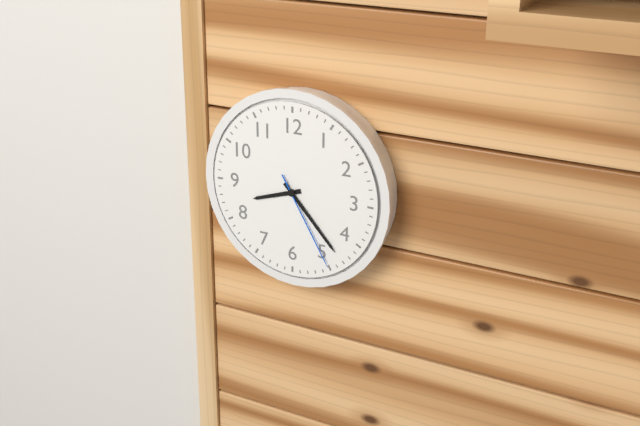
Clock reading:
8 h 23 min 25 s
